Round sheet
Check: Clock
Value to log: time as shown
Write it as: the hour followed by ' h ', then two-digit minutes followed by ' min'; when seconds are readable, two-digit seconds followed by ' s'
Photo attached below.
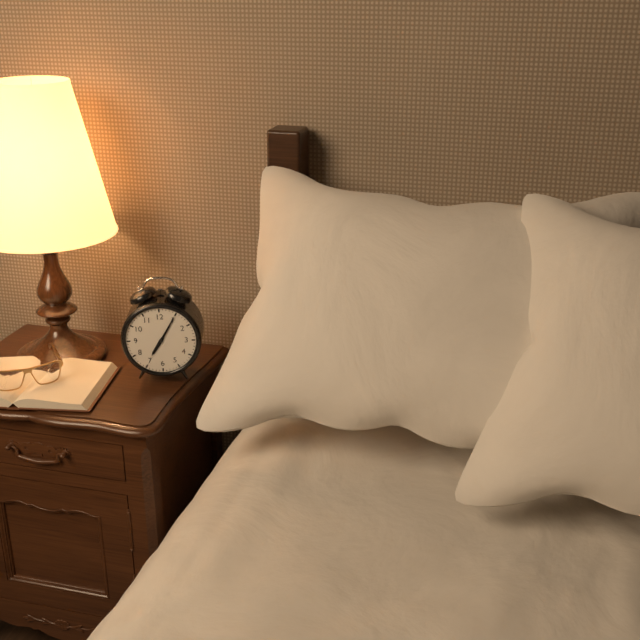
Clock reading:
7 h 05 min
